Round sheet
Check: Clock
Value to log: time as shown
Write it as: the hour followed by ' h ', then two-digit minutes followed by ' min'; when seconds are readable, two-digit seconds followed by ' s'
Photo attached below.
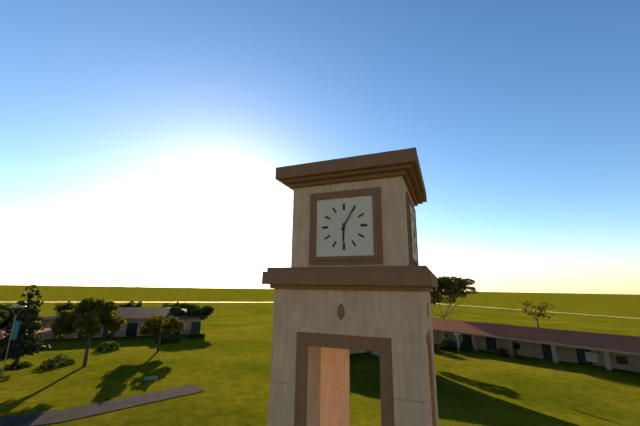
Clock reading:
6 h 05 min
